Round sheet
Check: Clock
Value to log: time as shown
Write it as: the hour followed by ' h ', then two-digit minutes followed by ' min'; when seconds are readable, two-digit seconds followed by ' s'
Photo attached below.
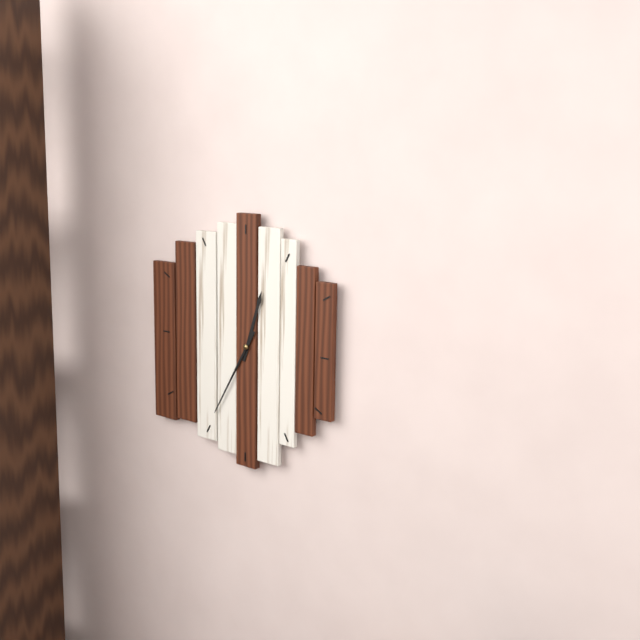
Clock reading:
12 h 35 min
